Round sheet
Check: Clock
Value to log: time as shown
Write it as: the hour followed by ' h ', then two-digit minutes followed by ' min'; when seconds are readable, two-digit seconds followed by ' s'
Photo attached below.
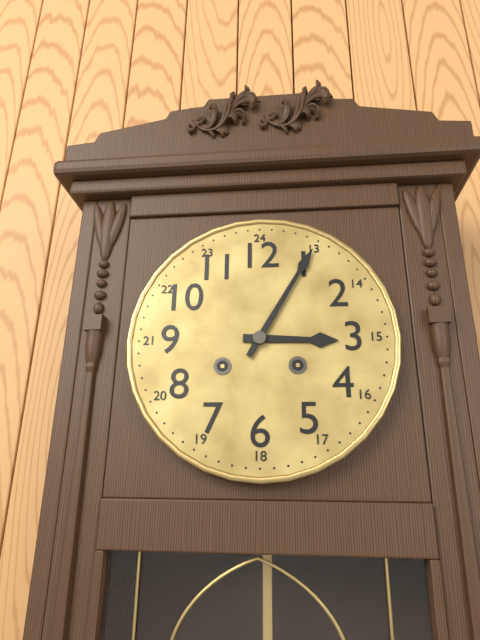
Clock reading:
3 h 05 min
